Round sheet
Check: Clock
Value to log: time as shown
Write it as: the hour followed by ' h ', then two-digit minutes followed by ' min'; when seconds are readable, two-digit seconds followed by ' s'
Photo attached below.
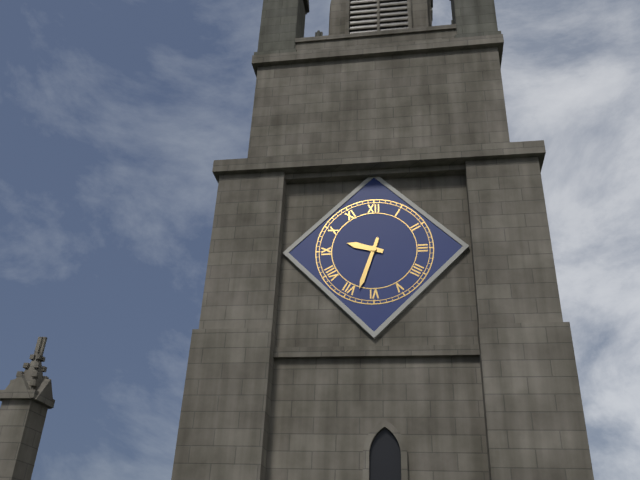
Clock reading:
9 h 33 min
